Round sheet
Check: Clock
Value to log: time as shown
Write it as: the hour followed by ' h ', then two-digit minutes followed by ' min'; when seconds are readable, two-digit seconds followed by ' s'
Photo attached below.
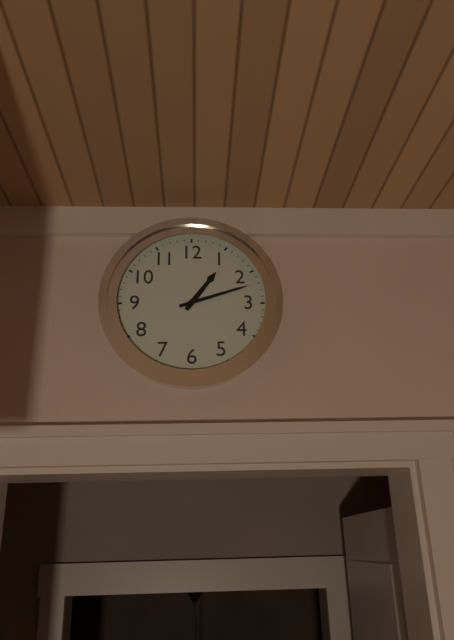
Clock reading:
1 h 12 min
